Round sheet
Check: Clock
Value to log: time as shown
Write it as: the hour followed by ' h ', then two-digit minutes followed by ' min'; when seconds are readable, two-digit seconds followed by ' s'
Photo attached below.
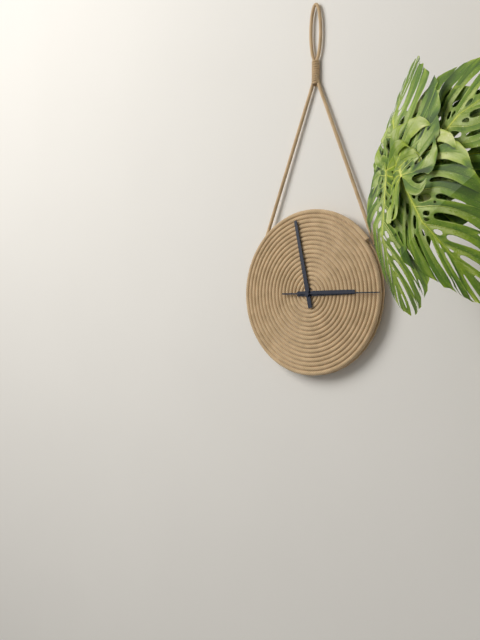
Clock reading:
2 h 58 min 15 s
